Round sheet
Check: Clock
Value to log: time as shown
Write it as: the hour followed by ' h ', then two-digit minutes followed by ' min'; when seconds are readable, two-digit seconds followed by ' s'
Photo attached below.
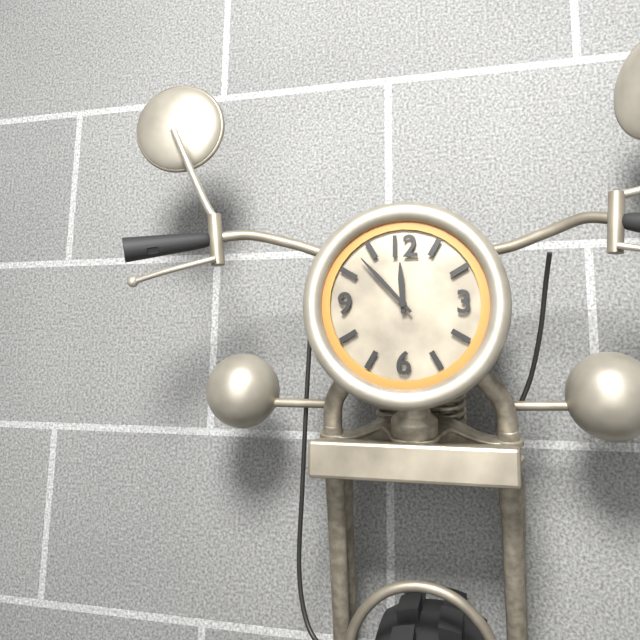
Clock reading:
11 h 53 min
